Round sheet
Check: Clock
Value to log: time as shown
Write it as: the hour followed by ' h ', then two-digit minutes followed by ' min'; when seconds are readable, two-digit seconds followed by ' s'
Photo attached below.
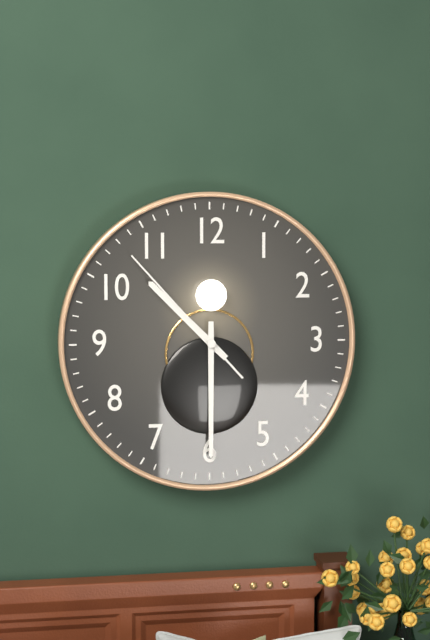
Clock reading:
10 h 30 min 53 s
